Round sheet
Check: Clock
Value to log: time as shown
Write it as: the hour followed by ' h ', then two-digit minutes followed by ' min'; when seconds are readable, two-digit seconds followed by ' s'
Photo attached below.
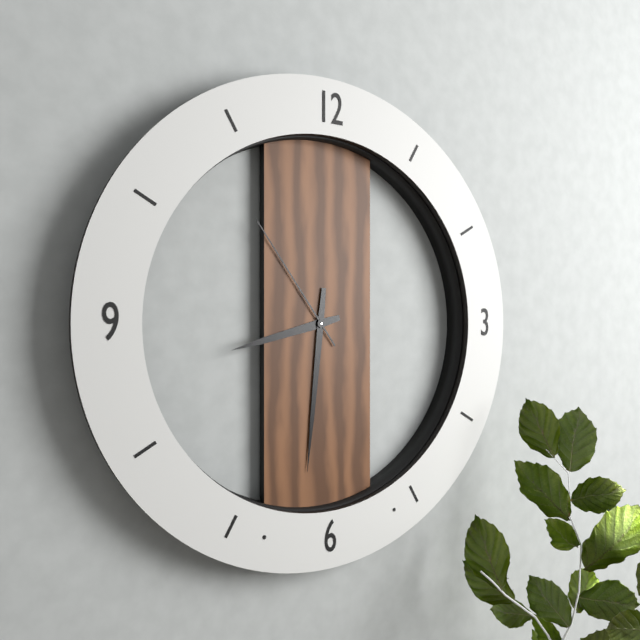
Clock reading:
8 h 31 min 54 s
